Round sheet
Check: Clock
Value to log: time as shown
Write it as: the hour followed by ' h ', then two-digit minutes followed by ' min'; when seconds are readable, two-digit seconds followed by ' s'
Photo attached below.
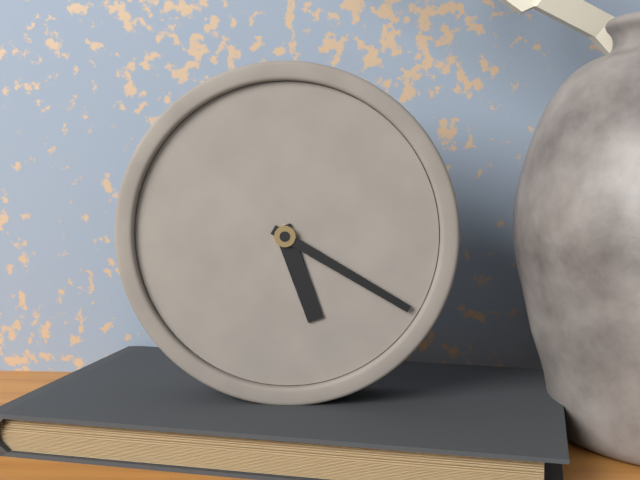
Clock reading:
5 h 20 min
